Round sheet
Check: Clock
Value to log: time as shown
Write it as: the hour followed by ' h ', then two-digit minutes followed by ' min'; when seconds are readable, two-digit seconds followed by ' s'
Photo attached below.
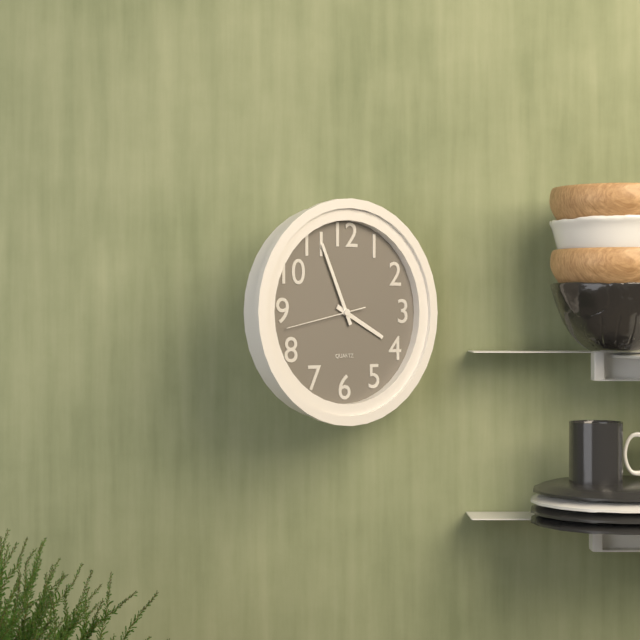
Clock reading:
3 h 56 min 43 s
